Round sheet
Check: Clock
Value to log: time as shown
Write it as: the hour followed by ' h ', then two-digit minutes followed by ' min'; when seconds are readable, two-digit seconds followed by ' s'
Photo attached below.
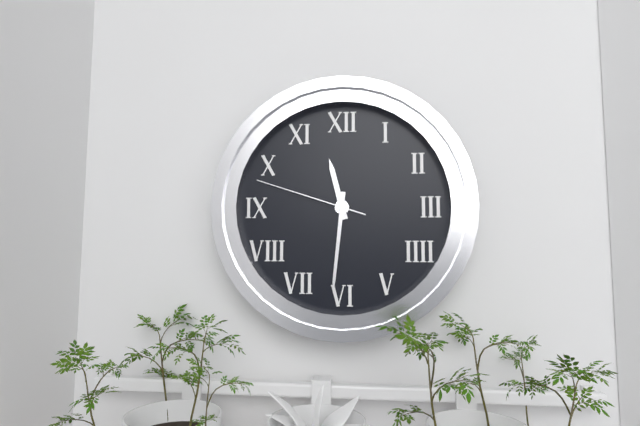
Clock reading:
11 h 31 min 48 s
